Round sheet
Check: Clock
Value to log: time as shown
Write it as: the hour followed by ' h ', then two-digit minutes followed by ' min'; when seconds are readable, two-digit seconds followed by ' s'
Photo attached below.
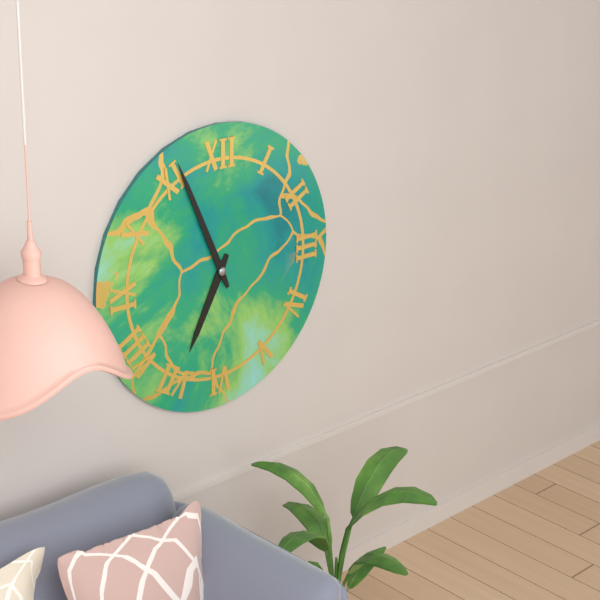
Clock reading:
6 h 56 min
